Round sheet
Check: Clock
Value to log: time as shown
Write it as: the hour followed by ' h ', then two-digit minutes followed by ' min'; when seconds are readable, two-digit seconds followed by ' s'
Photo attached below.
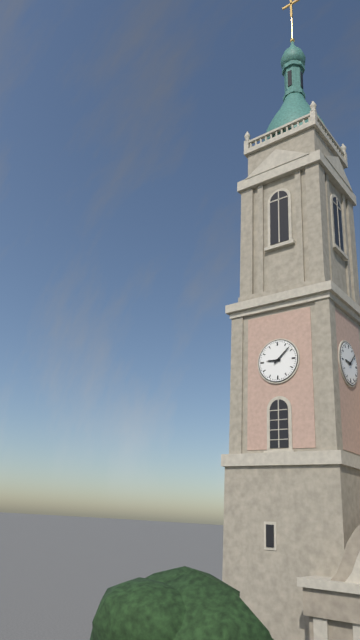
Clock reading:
9 h 08 min
